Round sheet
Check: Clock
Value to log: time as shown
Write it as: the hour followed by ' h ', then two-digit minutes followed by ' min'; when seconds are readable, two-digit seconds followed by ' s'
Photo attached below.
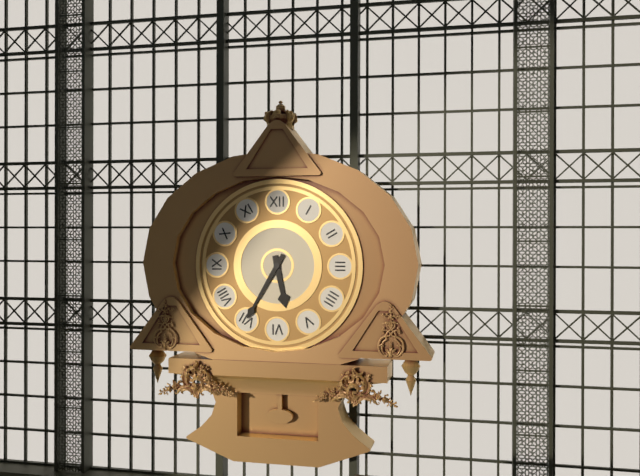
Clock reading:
5 h 35 min
